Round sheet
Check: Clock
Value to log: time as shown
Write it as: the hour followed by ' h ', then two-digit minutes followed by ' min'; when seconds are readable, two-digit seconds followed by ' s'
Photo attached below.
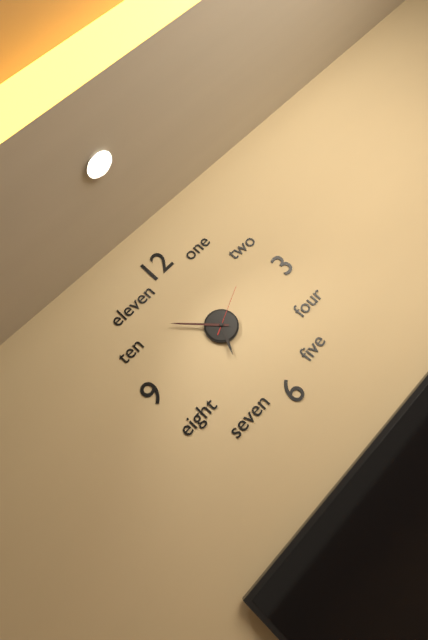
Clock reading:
6 h 53 min 11 s
